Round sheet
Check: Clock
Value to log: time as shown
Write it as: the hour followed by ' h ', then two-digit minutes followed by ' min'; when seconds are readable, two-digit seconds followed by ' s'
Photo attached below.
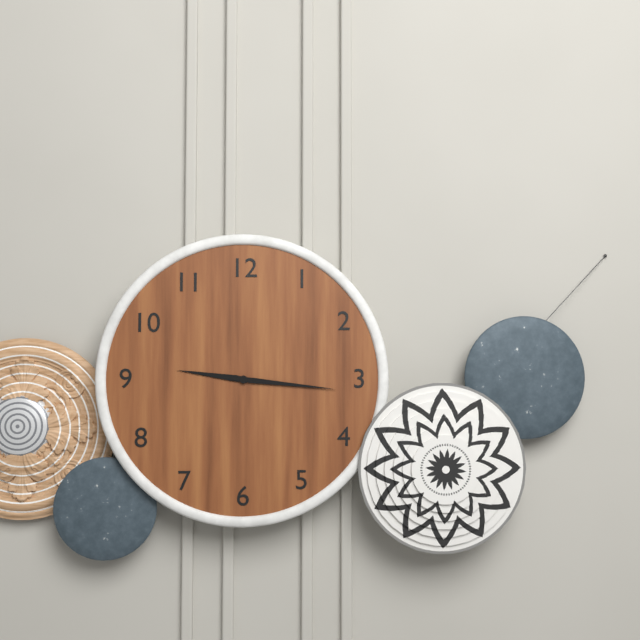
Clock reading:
9 h 16 min
